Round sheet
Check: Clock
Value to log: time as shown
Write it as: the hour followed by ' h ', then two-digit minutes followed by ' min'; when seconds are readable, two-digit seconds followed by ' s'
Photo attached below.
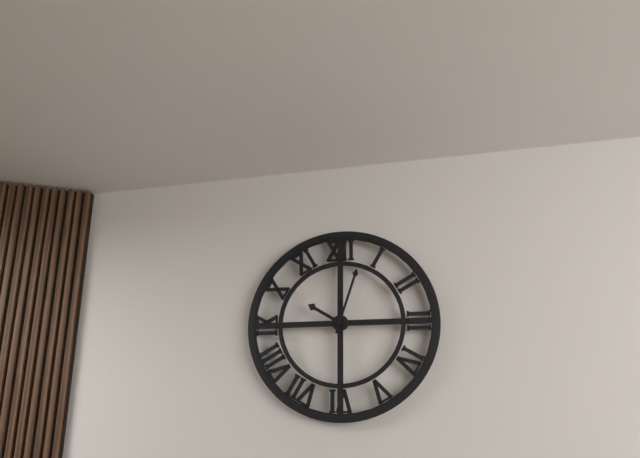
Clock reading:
10 h 03 min
